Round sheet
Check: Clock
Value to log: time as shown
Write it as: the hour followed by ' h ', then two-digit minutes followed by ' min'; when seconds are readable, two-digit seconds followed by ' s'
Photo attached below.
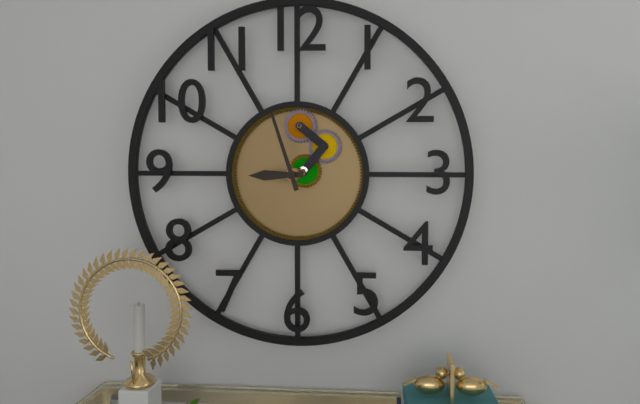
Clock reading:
8 h 57 min
